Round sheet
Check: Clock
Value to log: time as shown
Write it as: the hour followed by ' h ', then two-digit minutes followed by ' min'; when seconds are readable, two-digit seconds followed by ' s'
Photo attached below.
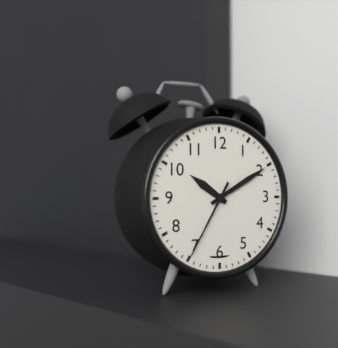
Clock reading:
10 h 10 min 35 s
